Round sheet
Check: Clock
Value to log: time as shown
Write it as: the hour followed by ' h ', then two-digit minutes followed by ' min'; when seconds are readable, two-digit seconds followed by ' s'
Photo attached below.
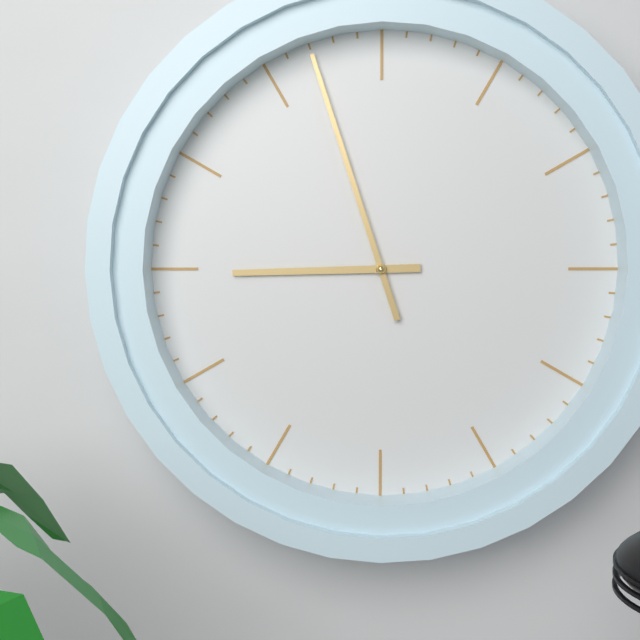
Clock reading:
8 h 57 min
